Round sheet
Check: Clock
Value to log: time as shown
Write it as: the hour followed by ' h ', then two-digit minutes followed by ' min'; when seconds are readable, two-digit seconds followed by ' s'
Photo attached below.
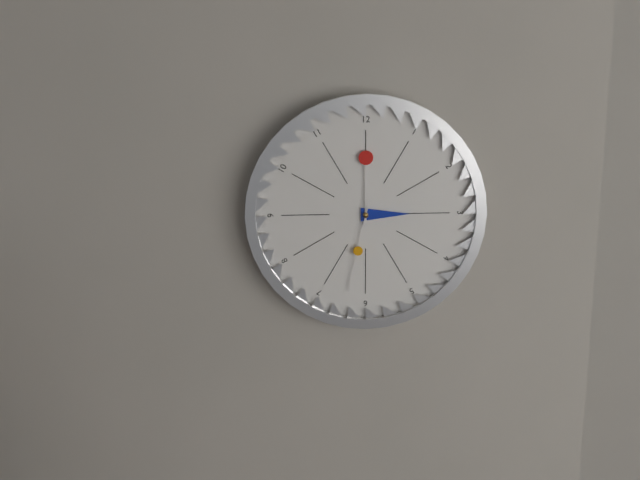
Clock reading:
3 h 00 min 32 s
